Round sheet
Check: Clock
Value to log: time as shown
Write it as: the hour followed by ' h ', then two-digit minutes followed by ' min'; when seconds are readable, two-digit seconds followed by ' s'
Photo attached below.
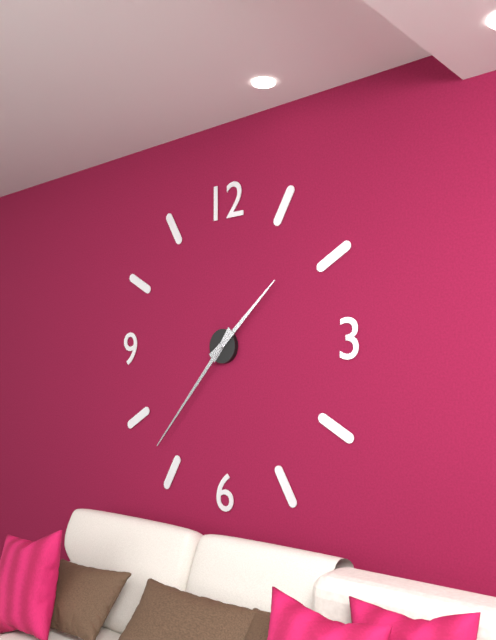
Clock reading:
1 h 37 min
